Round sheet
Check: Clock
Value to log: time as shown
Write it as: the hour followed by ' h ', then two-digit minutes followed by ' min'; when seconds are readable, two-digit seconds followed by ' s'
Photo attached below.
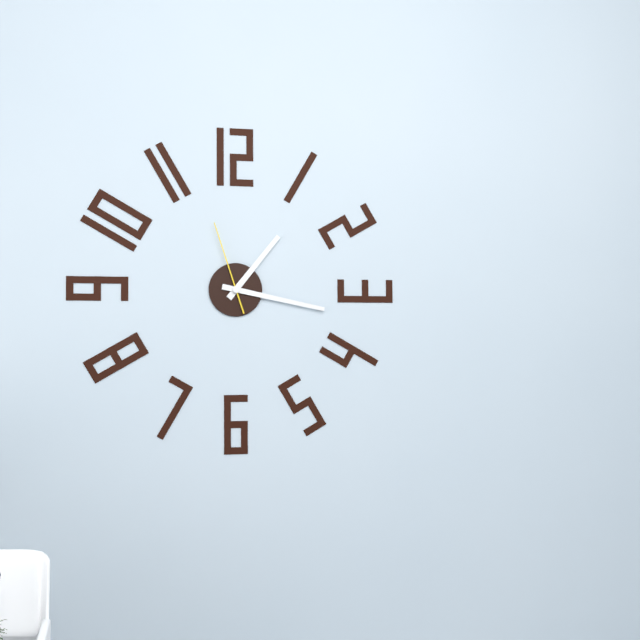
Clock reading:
1 h 17 min 57 s
